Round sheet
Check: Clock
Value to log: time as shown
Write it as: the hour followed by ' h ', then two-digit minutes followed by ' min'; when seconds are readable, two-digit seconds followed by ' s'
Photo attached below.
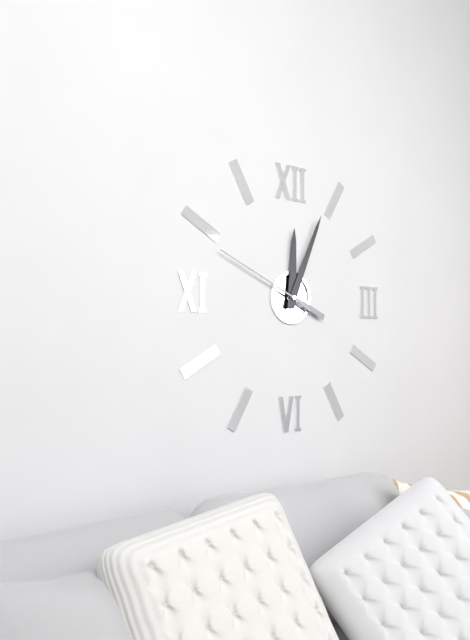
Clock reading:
12 h 04 min 49 s
